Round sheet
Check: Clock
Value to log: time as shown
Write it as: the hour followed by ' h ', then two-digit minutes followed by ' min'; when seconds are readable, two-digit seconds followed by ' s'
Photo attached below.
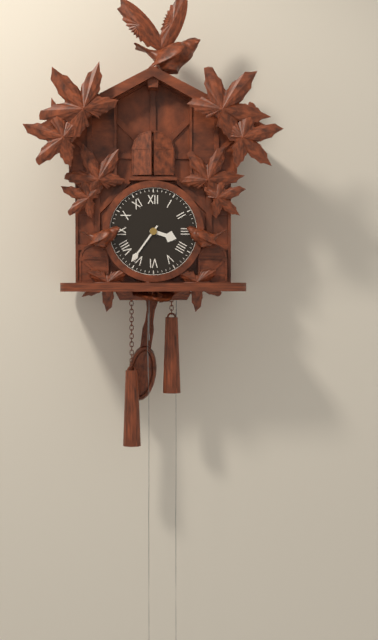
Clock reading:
3 h 36 min
